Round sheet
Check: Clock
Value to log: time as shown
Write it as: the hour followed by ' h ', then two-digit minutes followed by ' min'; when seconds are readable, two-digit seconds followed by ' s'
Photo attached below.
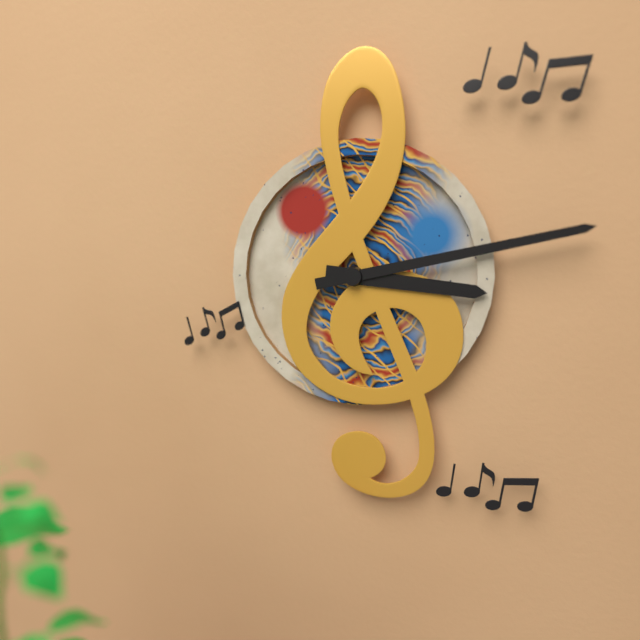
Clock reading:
3 h 13 min
